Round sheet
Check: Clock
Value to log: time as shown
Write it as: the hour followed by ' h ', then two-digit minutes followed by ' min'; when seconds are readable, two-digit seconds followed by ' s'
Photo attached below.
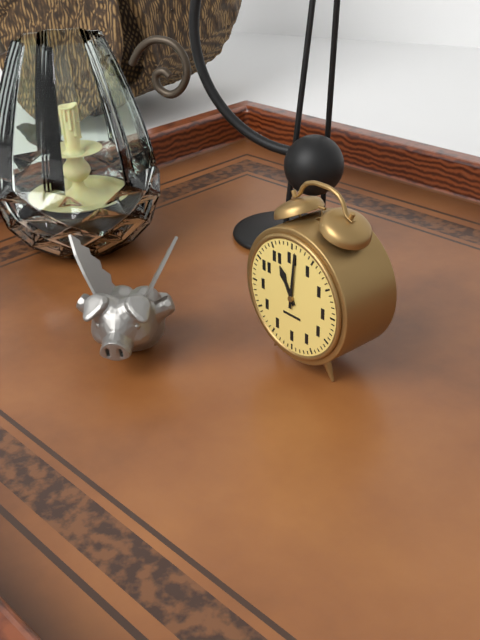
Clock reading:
11 h 01 min
